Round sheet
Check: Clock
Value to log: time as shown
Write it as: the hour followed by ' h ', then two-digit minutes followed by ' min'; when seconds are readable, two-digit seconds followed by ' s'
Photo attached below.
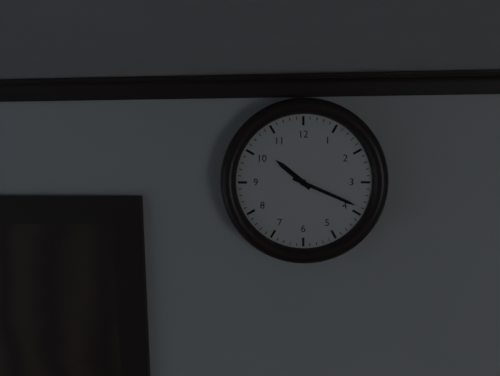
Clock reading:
10 h 19 min
